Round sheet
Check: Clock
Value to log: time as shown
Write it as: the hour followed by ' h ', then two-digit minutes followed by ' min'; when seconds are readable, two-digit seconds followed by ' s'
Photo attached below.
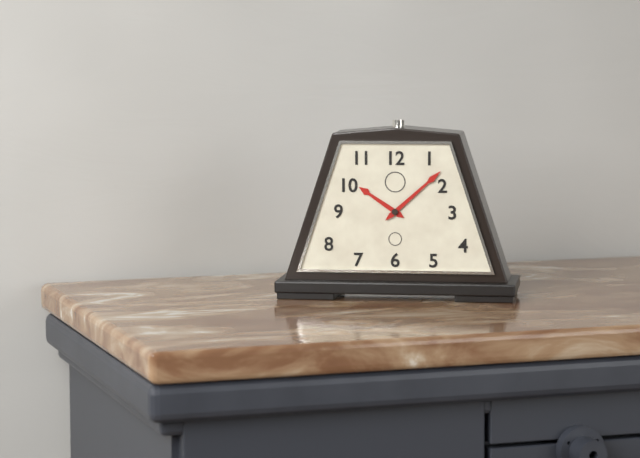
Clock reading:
10 h 08 min
